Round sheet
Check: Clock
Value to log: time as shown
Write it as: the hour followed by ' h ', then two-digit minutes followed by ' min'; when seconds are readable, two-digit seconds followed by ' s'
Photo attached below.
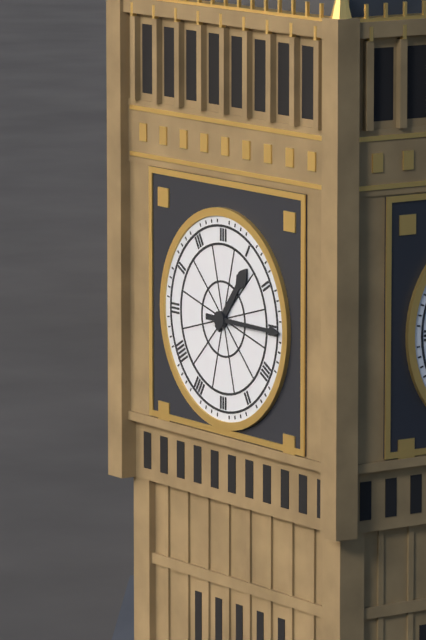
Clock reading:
1 h 15 min
